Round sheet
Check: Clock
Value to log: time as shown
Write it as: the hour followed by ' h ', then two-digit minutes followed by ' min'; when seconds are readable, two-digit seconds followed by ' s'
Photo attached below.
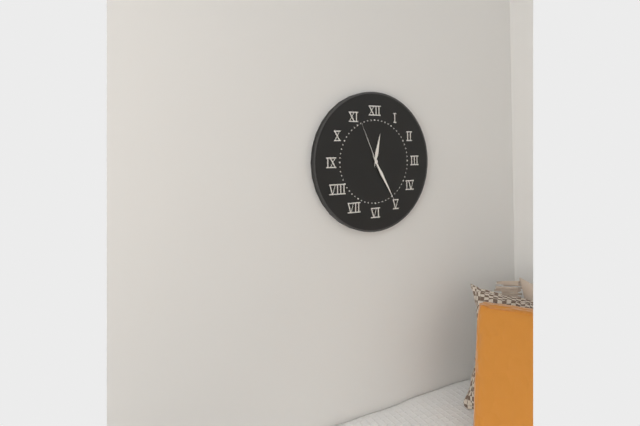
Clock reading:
12 h 25 min 56 s
